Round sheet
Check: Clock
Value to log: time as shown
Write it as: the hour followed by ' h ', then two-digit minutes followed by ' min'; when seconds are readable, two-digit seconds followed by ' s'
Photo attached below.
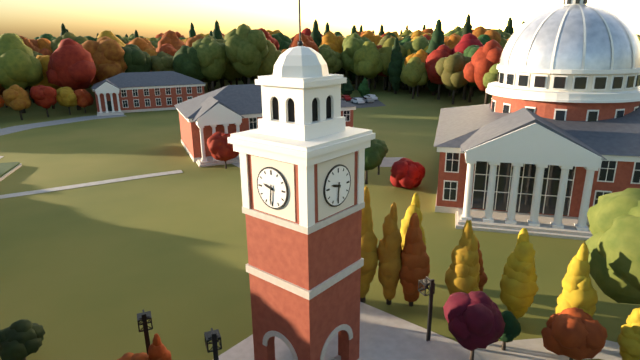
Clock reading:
9 h 31 min
